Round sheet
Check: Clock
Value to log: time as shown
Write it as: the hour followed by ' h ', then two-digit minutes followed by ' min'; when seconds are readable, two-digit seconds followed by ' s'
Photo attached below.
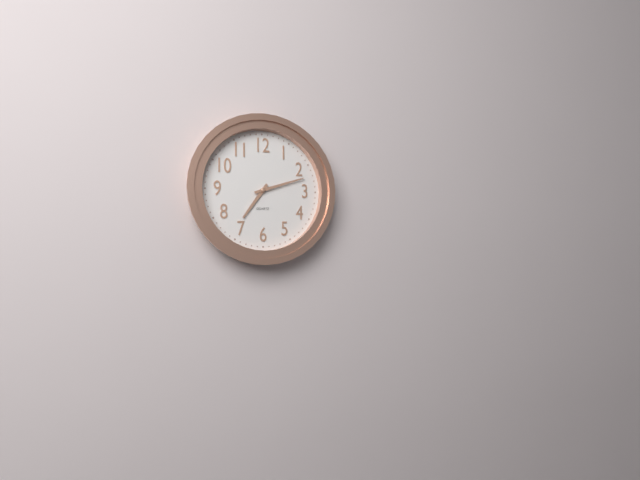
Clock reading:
7 h 12 min
